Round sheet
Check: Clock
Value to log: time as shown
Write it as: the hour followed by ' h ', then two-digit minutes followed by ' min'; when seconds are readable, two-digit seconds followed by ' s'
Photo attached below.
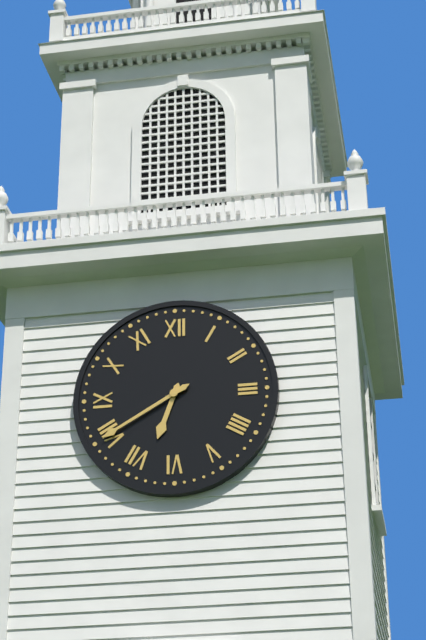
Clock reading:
6 h 40 min
